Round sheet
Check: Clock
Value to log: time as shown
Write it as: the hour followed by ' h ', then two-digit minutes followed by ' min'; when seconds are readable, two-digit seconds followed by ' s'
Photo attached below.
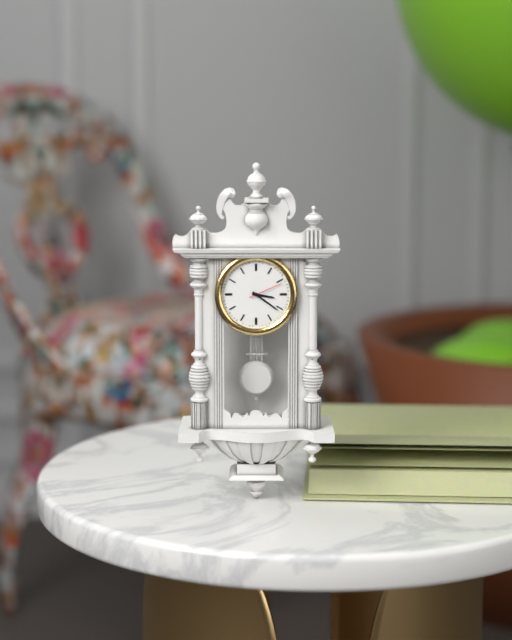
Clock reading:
3 h 21 min
